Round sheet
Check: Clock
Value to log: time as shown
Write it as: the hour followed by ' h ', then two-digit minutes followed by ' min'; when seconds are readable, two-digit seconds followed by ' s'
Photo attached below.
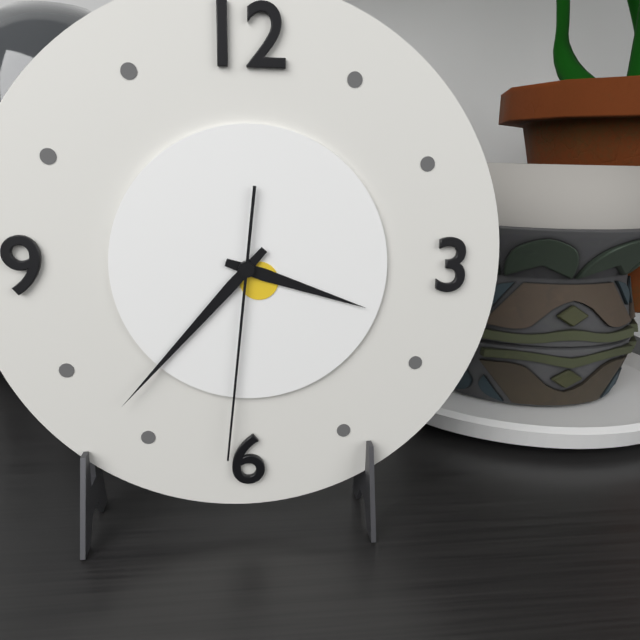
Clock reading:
3 h 37 min 31 s
